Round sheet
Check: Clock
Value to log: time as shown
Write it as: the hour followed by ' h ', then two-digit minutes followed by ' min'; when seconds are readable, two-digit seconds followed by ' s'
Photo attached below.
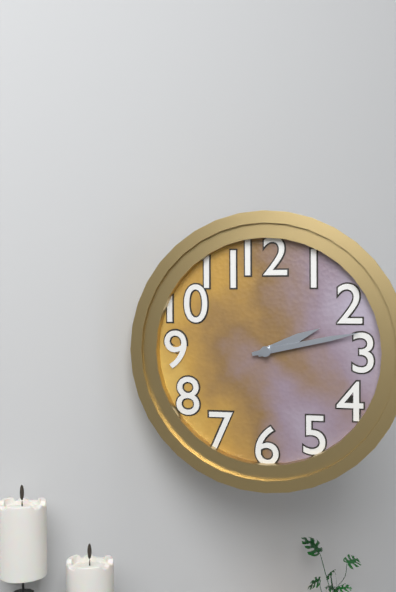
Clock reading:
2 h 13 min
